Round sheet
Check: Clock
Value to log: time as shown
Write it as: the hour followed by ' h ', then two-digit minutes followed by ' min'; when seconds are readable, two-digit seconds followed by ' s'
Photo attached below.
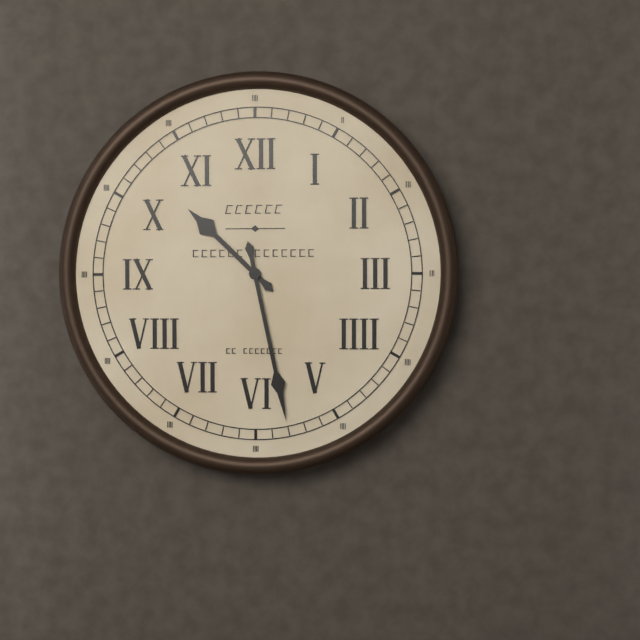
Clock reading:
10 h 28 min
